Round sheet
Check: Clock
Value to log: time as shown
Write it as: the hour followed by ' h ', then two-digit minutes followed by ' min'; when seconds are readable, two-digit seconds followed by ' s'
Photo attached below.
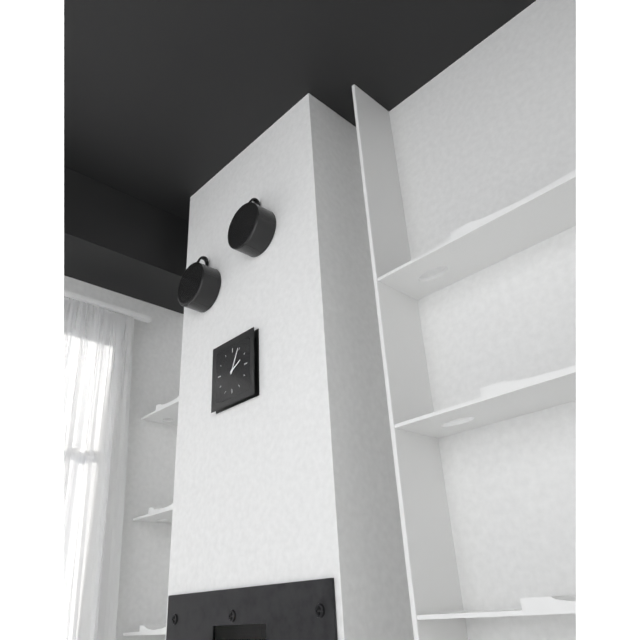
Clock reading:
2 h 04 min
